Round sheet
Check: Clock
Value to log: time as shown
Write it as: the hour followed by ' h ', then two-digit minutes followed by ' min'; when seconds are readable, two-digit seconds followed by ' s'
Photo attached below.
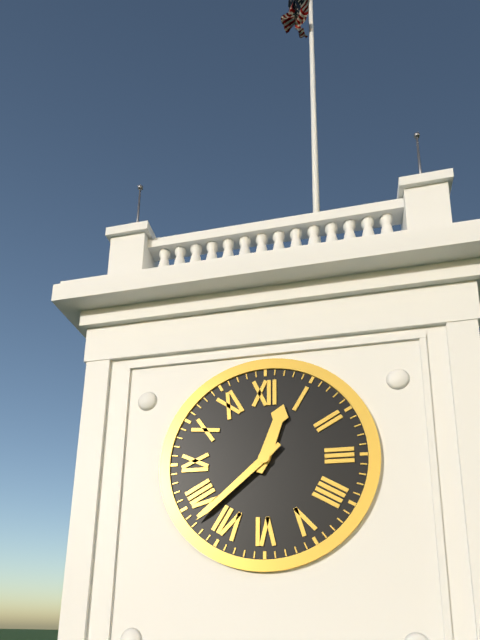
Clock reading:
12 h 38 min
